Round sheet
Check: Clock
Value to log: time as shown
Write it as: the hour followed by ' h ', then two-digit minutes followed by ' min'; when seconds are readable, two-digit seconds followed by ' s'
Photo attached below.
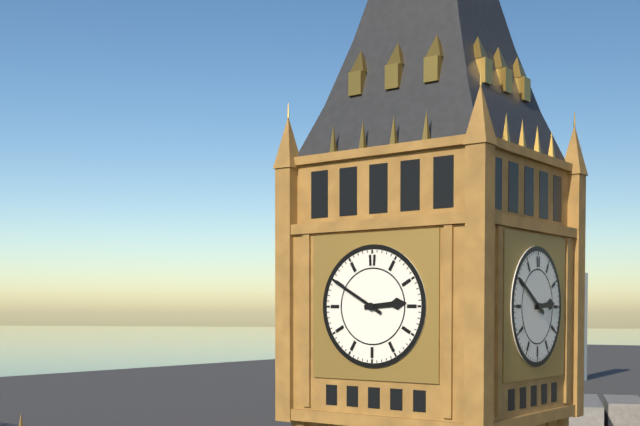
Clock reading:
2 h 50 min
